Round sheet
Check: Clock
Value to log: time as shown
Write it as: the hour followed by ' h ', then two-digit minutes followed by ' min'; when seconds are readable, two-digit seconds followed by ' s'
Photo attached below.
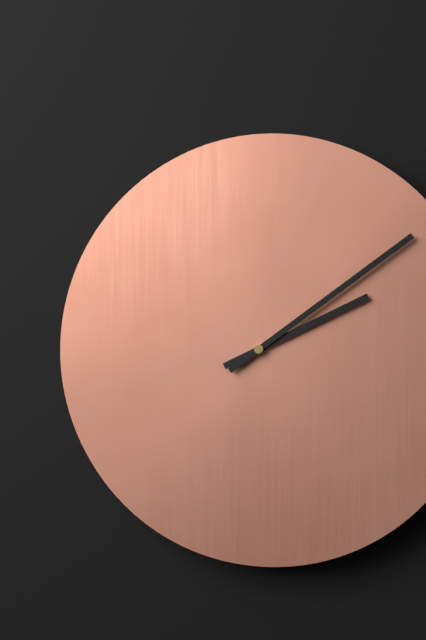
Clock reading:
2 h 09 min
